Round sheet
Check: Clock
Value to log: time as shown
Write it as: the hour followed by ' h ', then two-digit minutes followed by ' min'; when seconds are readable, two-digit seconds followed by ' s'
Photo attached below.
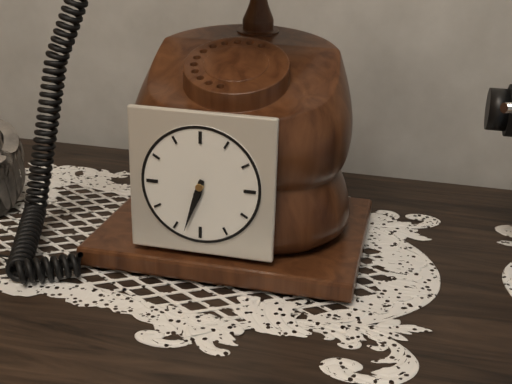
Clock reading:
6 h 33 min
